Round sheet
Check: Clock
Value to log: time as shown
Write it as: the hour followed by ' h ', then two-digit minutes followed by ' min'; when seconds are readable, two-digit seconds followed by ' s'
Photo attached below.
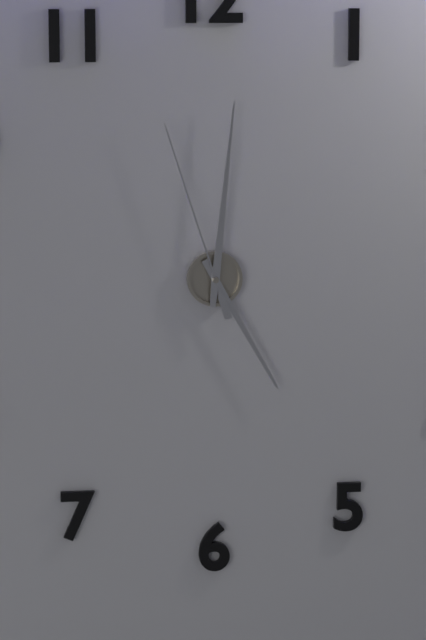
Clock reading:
5 h 01 min 57 s
